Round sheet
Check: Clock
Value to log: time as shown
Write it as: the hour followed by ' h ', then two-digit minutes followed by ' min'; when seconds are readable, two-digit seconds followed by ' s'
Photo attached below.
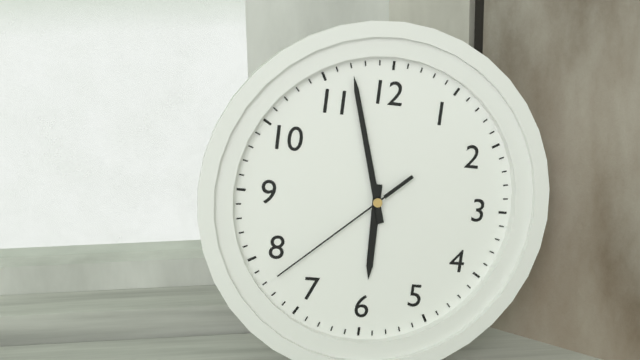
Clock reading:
5 h 57 min 38 s
